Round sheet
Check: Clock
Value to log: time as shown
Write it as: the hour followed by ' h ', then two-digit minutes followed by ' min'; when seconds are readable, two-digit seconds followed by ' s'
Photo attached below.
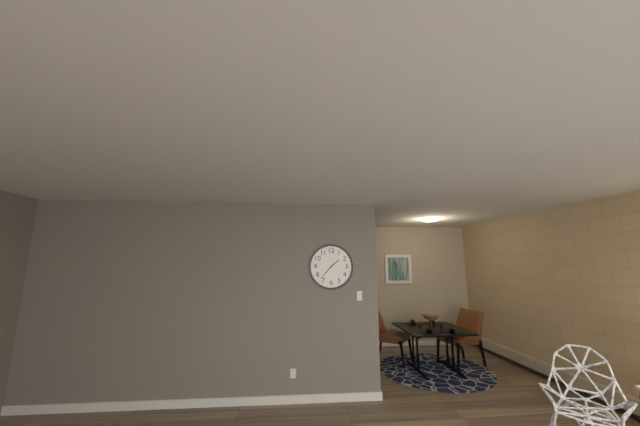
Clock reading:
1 h 37 min
